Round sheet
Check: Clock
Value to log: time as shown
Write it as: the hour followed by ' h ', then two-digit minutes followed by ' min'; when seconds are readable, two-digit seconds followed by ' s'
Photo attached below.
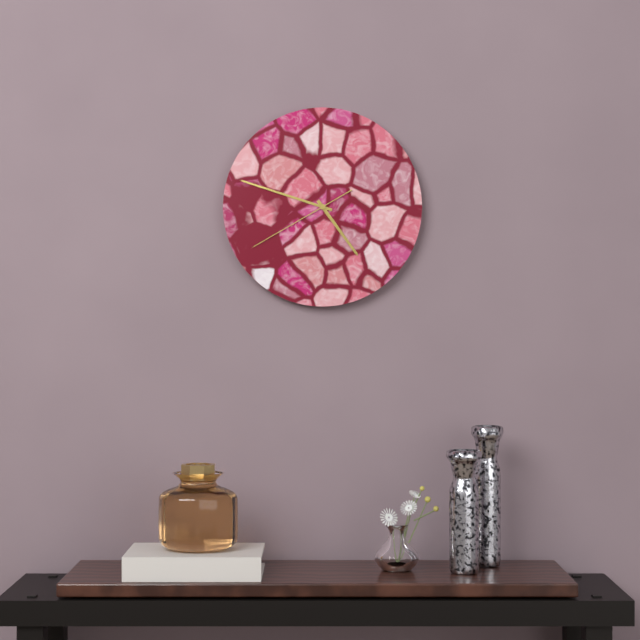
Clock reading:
4 h 48 min 40 s
